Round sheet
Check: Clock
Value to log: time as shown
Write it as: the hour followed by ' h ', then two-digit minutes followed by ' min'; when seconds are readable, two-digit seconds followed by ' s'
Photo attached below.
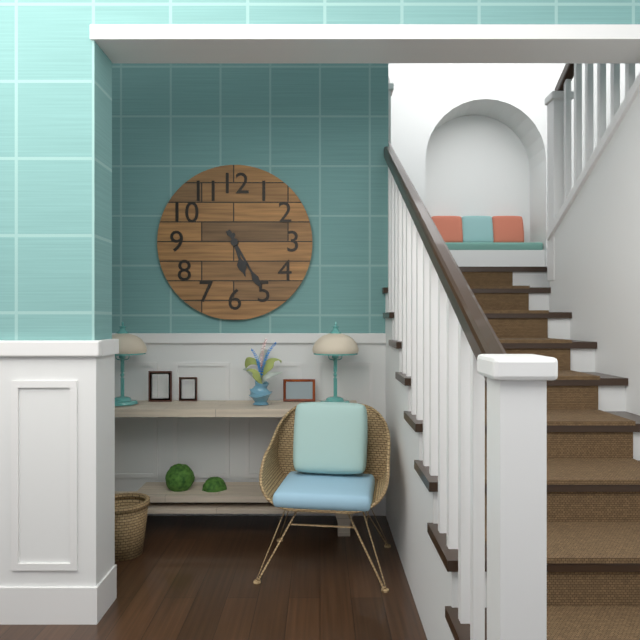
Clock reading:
5 h 25 min
